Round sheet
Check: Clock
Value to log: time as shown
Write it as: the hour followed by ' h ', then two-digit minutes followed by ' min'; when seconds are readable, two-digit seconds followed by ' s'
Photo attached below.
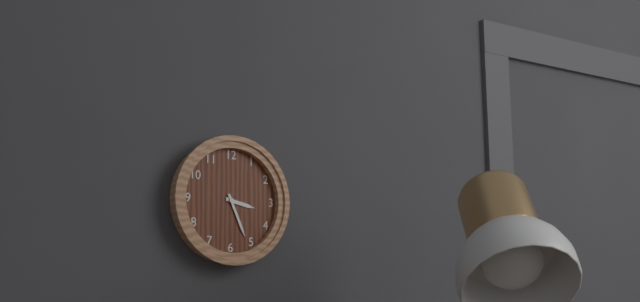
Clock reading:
3 h 26 min
